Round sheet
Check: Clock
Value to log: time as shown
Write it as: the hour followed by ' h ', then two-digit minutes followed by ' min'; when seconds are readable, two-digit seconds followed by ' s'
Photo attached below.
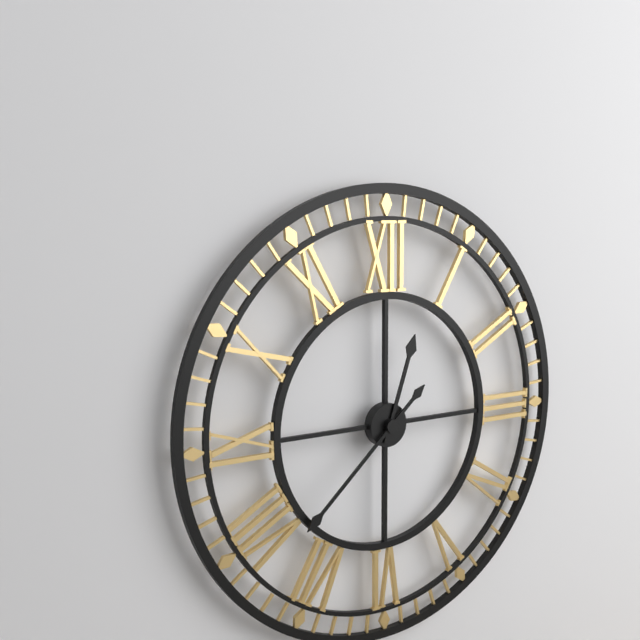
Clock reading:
12 h 38 min
